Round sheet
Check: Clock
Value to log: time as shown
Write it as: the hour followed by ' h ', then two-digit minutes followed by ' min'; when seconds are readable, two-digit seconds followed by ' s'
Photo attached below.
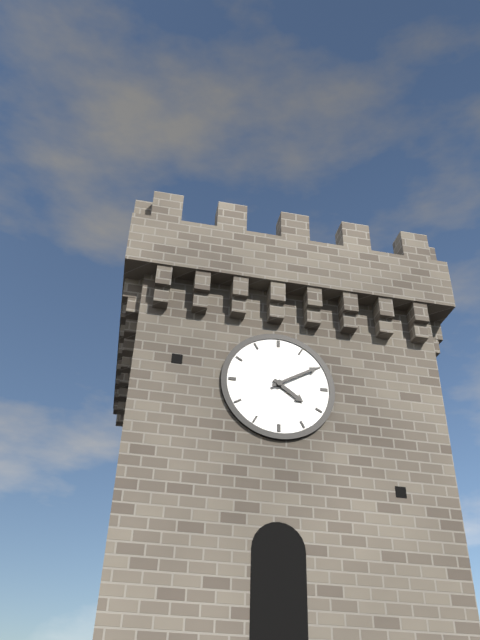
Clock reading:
4 h 10 min
